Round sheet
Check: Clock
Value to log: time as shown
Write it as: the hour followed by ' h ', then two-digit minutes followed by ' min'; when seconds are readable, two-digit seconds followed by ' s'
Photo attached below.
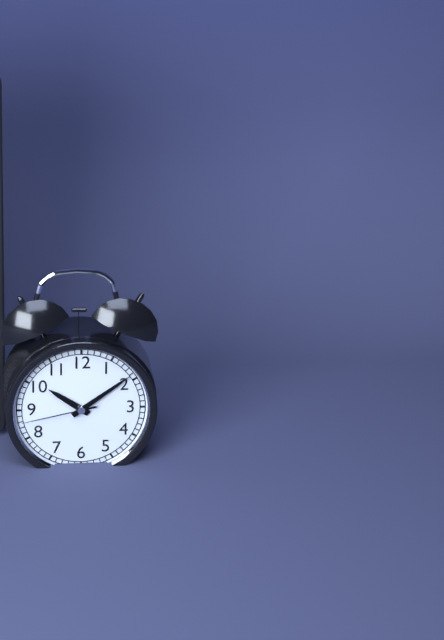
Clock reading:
10 h 09 min 43 s
